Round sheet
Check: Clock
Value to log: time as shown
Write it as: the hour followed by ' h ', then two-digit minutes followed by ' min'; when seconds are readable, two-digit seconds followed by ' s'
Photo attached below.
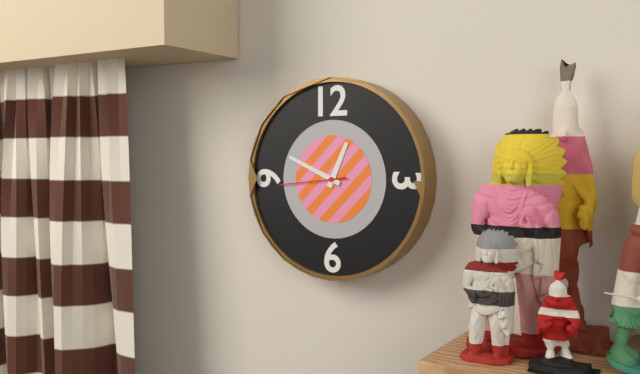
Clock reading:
12 h 49 min 44 s
